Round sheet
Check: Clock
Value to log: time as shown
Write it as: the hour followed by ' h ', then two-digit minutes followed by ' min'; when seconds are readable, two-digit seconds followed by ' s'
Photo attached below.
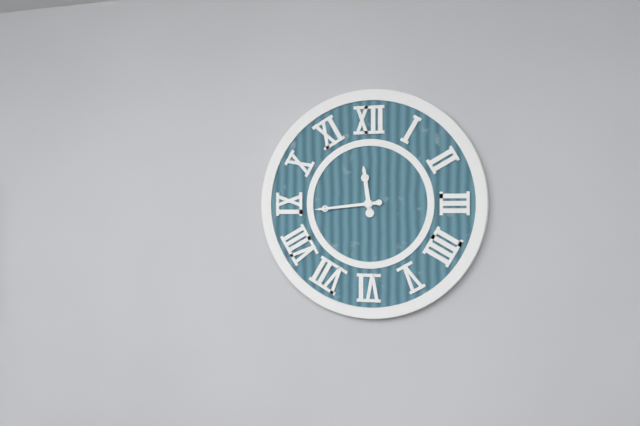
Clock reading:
11 h 44 min
